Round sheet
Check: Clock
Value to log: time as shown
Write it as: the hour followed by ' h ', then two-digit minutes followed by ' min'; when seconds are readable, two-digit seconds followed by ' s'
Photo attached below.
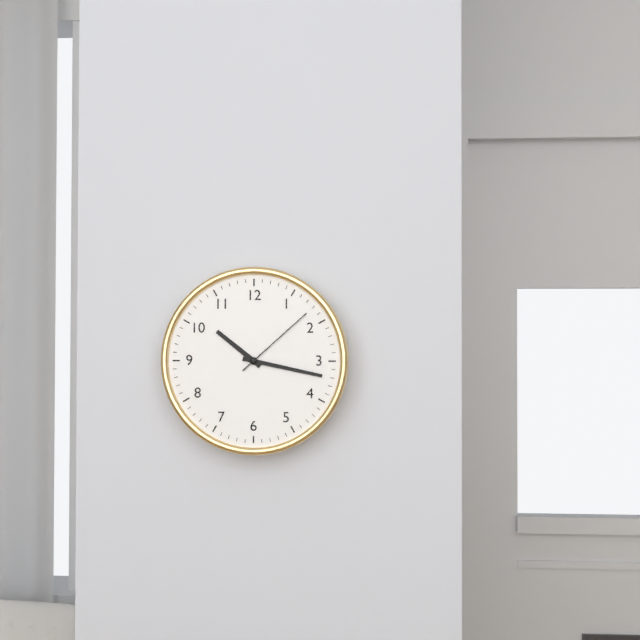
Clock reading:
10 h 17 min 08 s
